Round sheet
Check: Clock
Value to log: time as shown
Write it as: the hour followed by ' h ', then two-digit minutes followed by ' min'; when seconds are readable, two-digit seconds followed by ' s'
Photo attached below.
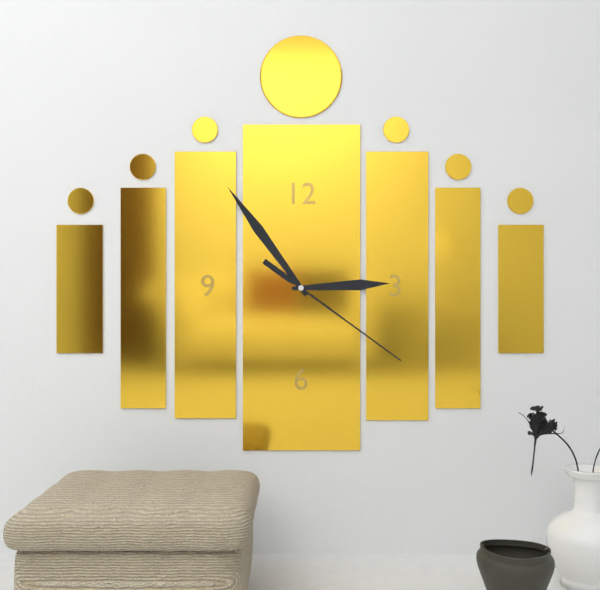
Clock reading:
2 h 54 min 21 s
